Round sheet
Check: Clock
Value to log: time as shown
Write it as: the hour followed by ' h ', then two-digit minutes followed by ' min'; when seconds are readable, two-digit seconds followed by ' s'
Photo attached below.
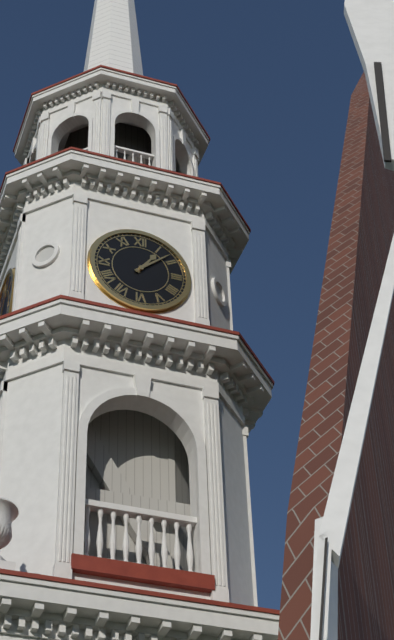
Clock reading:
1 h 08 min
